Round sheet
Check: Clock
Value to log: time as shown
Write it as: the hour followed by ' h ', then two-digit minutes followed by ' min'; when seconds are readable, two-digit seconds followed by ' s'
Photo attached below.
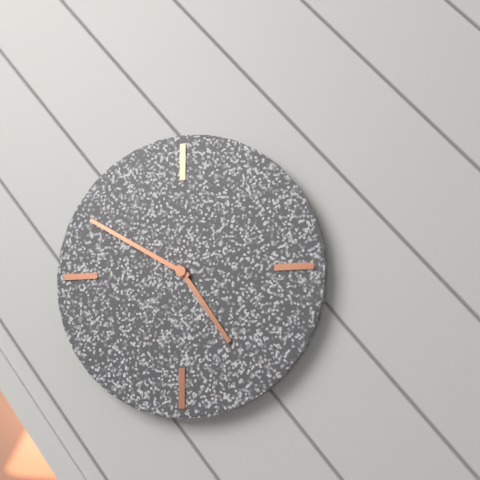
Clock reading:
4 h 50 min
